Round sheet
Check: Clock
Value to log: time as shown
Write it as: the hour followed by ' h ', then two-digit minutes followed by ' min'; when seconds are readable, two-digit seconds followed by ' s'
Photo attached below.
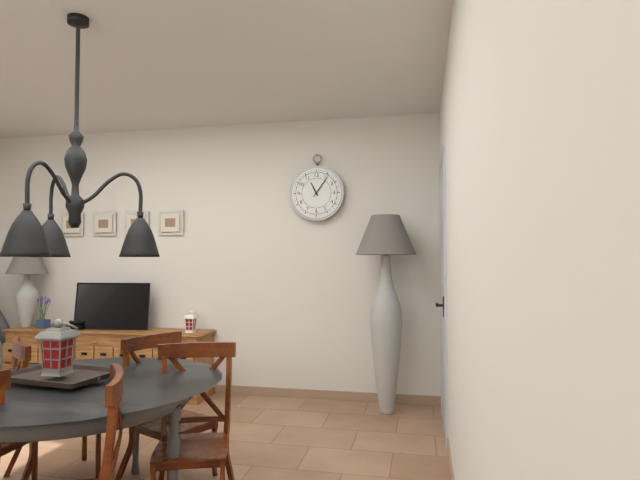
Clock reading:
11 h 06 min
